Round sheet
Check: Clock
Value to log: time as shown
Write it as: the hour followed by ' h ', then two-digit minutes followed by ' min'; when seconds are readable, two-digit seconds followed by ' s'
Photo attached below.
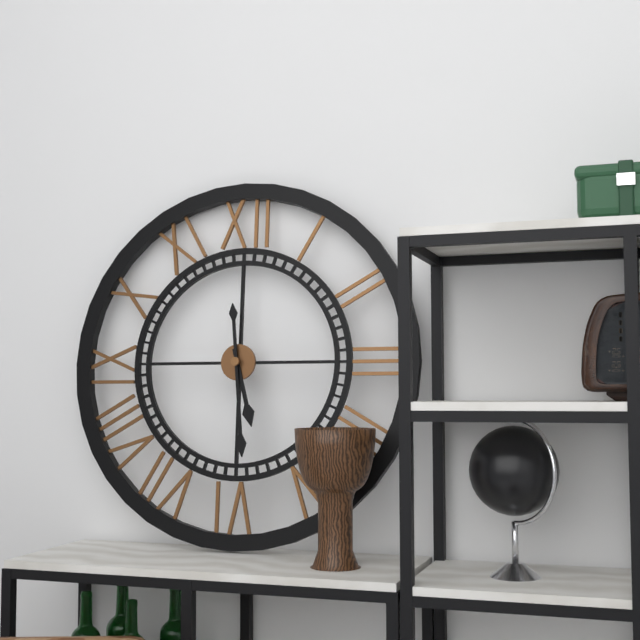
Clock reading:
5 h 29 min
